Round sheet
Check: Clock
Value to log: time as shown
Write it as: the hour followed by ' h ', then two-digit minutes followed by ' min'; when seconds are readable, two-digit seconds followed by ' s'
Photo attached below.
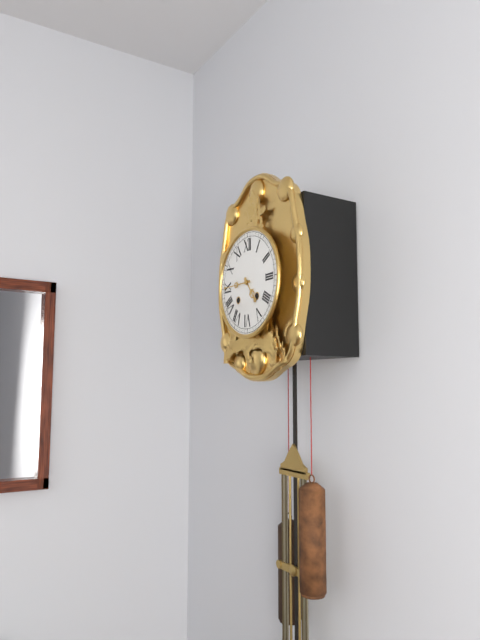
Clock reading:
4 h 45 min
